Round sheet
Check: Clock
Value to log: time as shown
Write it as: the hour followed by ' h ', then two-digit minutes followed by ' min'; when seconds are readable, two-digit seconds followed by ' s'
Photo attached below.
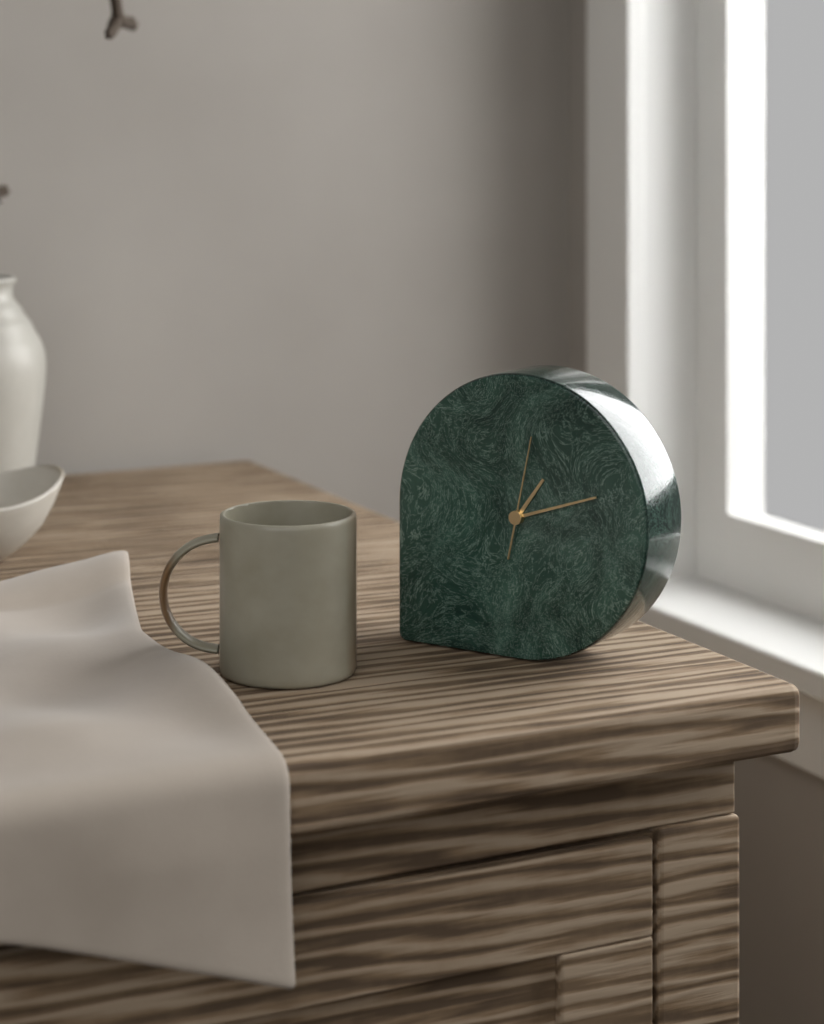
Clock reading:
1 h 12 min 02 s
